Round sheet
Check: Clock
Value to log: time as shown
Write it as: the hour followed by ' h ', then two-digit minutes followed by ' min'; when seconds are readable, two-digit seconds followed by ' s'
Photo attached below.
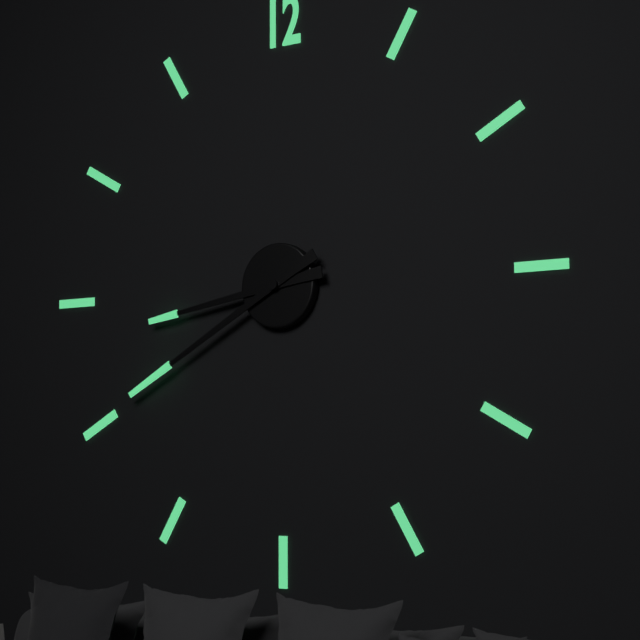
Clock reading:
8 h 40 min
